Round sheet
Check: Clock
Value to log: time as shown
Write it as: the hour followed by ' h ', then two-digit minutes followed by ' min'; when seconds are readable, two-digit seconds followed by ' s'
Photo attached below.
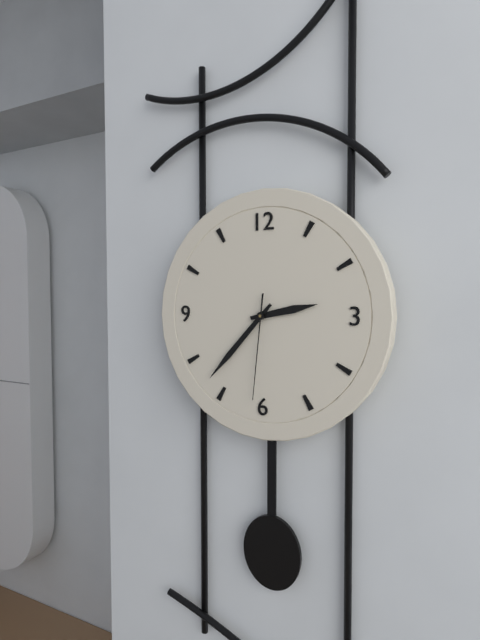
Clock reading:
2 h 37 min 31 s
